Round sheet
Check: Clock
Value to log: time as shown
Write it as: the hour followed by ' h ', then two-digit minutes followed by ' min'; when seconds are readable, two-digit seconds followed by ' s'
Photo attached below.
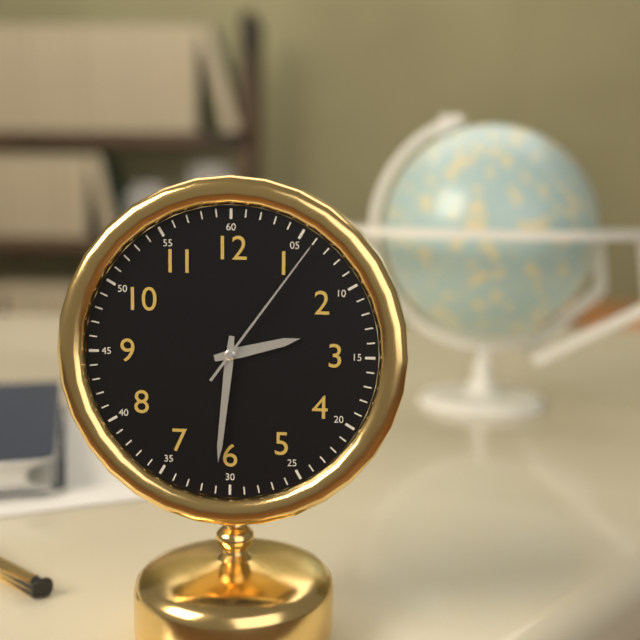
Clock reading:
2 h 31 min 06 s
